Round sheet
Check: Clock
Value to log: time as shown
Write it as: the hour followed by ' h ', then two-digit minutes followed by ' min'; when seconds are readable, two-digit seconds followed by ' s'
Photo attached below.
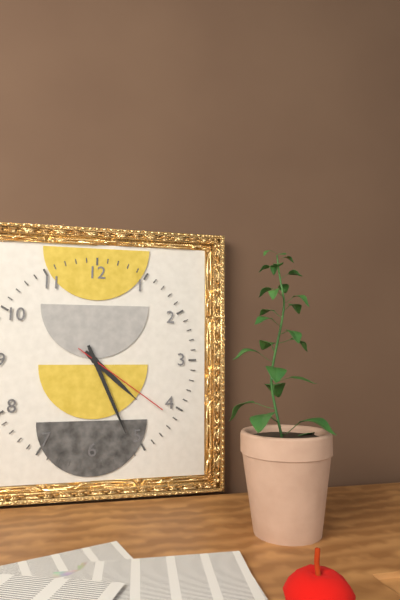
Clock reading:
4 h 26 min 21 s
